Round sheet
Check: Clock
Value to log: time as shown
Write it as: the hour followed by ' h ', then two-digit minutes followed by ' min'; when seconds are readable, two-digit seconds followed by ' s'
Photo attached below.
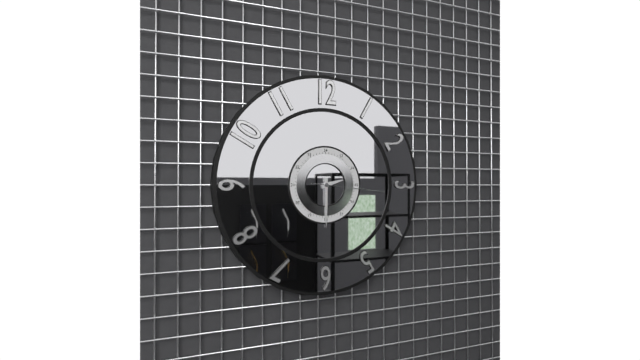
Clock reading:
2 h 30 min 16 s
